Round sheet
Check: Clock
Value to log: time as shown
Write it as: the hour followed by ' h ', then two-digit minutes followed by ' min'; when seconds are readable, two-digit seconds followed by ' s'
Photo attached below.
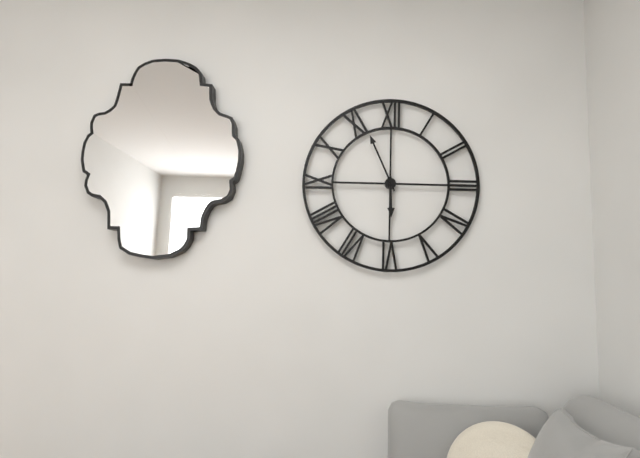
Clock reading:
5 h 56 min
